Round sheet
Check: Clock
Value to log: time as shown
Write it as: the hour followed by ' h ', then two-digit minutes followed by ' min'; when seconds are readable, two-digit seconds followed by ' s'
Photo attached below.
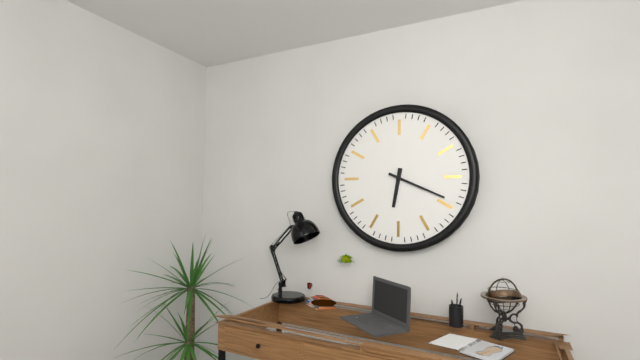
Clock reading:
6 h 19 min
